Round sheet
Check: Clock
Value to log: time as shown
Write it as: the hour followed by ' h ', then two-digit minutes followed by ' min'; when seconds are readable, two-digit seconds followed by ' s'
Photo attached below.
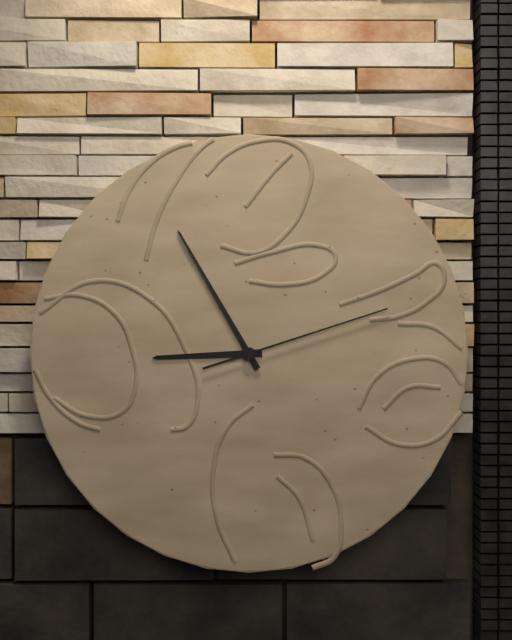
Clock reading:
8 h 55 min 12 s
